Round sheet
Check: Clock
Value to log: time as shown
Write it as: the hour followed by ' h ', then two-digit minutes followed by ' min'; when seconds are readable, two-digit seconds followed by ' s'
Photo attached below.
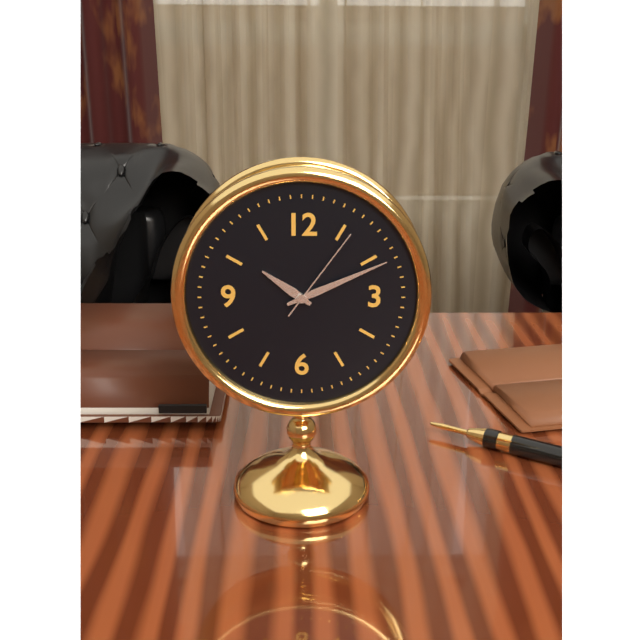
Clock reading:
10 h 11 min 06 s
